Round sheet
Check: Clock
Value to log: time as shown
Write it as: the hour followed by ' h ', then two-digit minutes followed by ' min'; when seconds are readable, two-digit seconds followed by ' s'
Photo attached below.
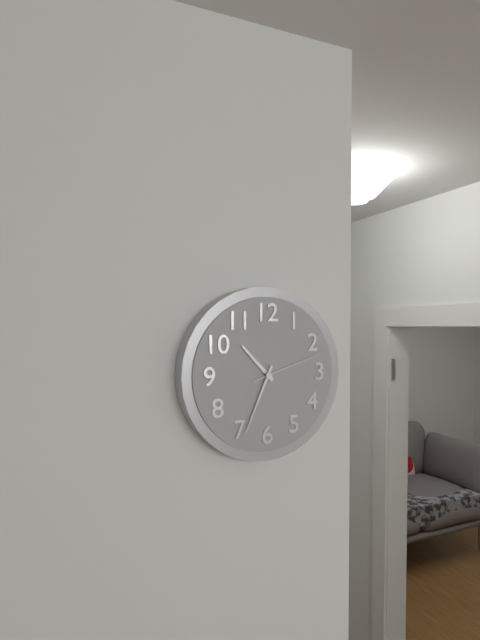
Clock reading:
10 h 34 min 12 s
